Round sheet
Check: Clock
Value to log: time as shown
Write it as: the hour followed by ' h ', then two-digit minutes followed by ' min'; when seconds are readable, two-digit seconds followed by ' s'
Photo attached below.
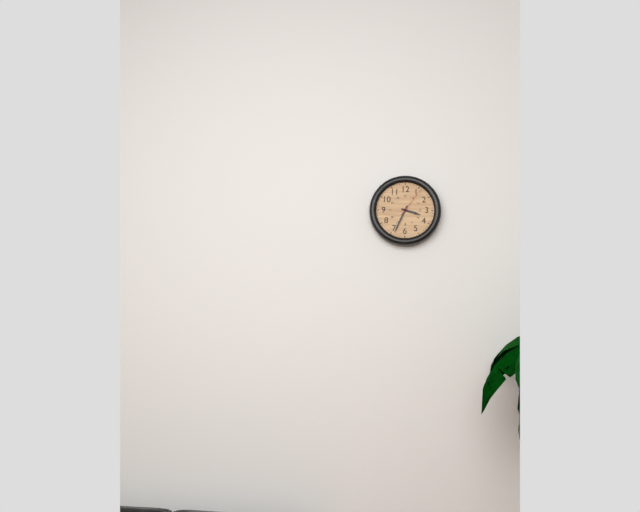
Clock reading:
3 h 34 min
